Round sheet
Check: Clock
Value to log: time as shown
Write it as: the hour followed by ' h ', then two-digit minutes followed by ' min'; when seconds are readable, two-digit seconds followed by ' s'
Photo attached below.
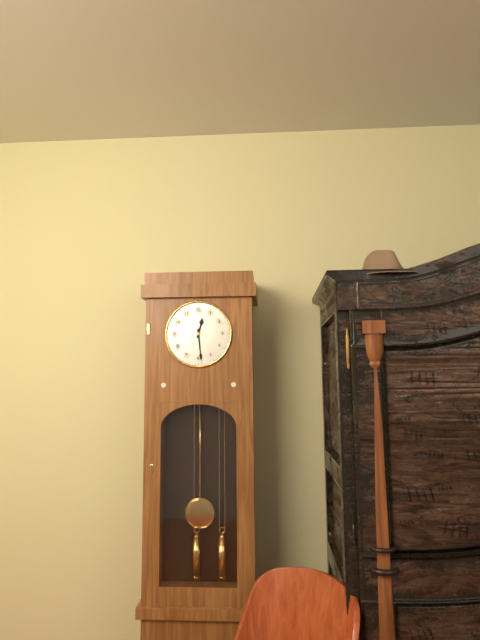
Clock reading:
12 h 29 min
